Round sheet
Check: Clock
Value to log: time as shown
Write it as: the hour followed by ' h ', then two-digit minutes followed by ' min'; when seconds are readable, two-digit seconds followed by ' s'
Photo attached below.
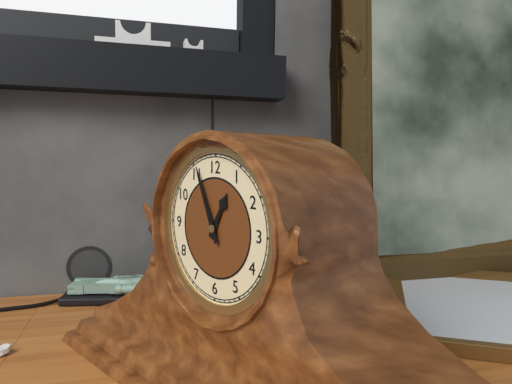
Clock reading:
12 h 56 min
